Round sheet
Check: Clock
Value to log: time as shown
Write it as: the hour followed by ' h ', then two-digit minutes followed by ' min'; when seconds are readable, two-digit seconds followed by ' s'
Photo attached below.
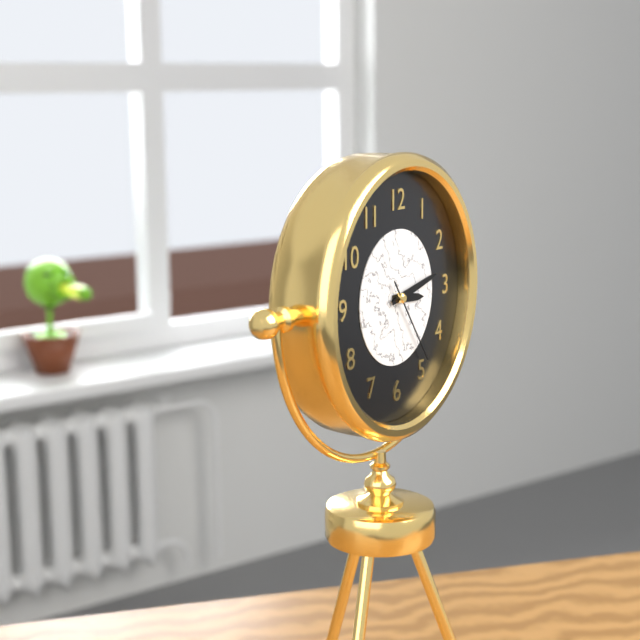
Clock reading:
3 h 13 min 24 s
